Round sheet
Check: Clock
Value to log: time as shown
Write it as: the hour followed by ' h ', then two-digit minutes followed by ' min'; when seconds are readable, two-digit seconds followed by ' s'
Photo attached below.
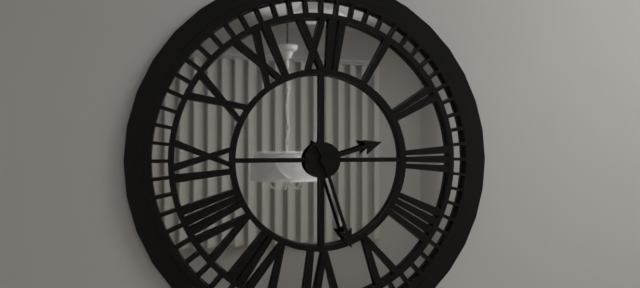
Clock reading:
2 h 27 min
